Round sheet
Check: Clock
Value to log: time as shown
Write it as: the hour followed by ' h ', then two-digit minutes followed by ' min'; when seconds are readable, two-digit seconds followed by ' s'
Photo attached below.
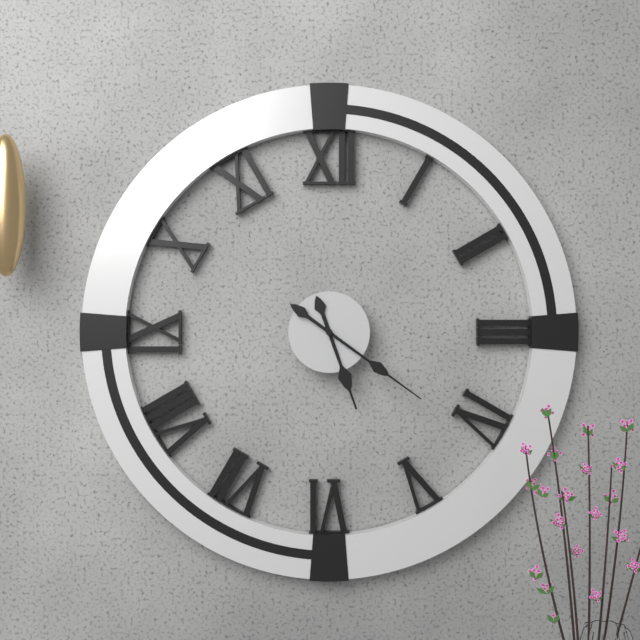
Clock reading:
5 h 21 min
